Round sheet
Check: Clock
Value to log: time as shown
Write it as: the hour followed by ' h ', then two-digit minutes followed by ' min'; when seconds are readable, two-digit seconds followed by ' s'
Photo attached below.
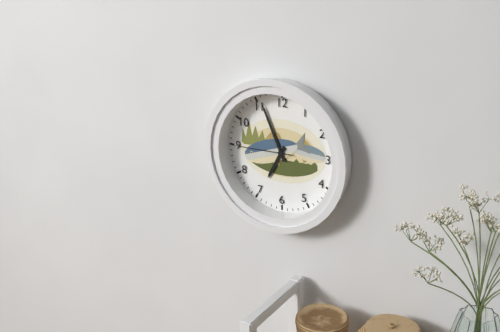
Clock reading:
6 h 56 min 45 s
